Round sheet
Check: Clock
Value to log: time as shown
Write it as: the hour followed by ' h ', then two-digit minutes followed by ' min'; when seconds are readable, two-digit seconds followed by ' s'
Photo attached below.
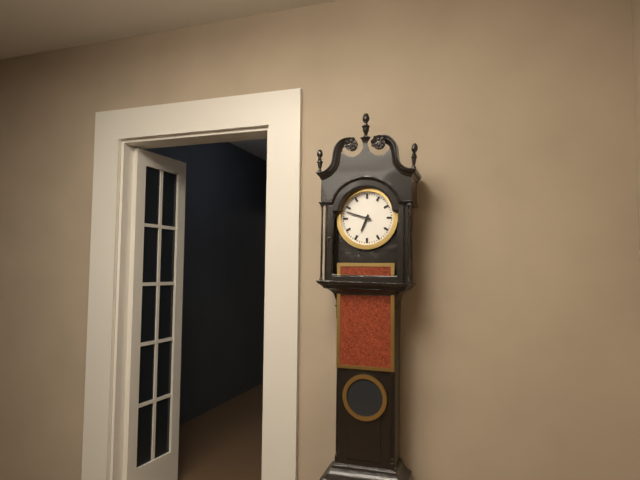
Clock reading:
6 h 48 min
